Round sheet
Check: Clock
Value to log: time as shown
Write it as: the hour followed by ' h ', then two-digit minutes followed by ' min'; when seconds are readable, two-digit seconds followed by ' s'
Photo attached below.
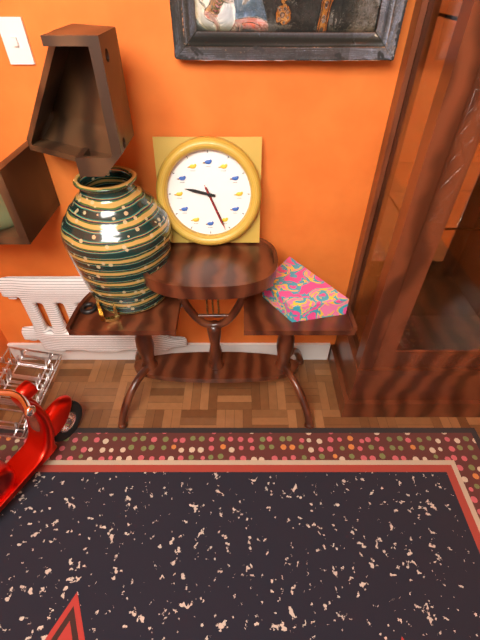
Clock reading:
9 h 26 min
